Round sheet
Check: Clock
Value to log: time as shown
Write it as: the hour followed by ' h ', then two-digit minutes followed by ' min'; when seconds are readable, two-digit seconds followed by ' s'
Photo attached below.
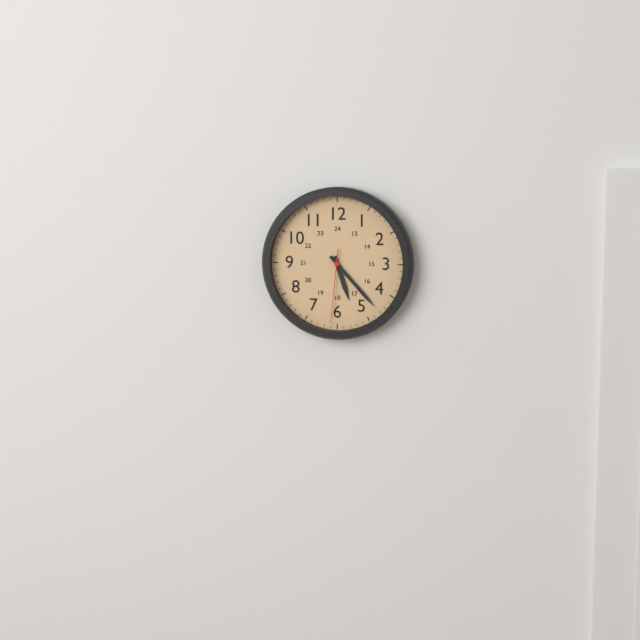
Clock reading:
5 h 23 min 31 s
